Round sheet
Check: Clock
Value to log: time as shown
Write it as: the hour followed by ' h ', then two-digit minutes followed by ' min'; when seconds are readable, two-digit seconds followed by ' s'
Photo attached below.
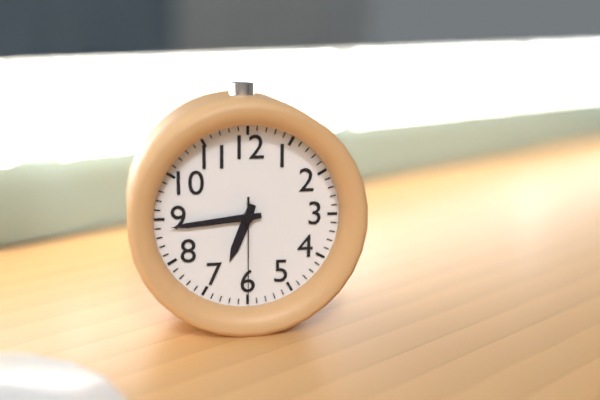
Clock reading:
6 h 44 min 30 s
